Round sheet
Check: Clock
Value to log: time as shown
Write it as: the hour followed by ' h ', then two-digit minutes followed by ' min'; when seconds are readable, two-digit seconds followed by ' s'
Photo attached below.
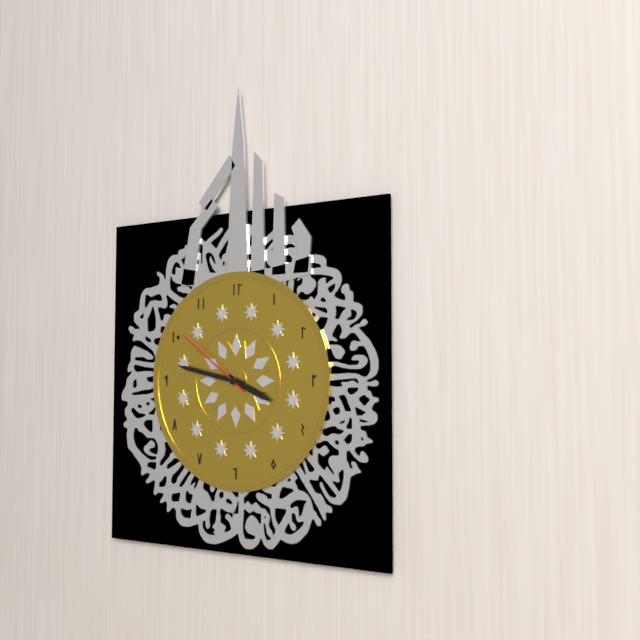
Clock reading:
3 h 47 min 51 s
